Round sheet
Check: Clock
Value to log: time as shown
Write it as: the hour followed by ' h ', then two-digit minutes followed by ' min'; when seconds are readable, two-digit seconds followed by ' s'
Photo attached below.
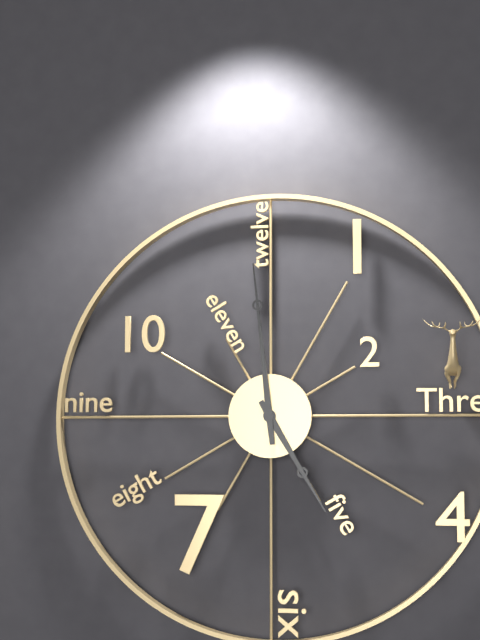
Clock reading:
4 h 59 min
